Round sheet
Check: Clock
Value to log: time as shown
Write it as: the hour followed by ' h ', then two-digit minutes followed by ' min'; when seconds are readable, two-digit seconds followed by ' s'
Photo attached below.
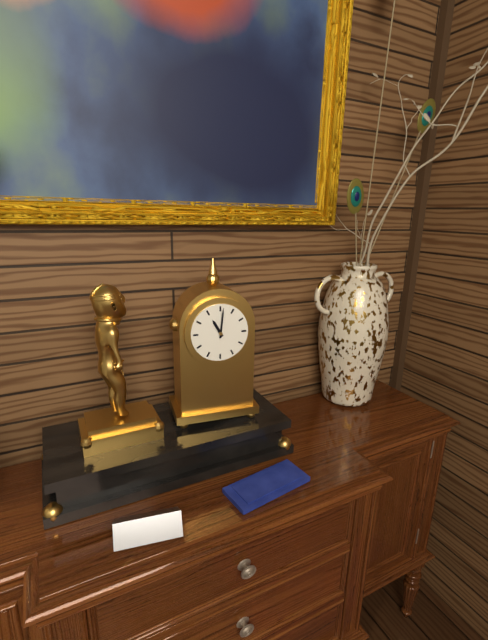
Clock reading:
11 h 01 min
